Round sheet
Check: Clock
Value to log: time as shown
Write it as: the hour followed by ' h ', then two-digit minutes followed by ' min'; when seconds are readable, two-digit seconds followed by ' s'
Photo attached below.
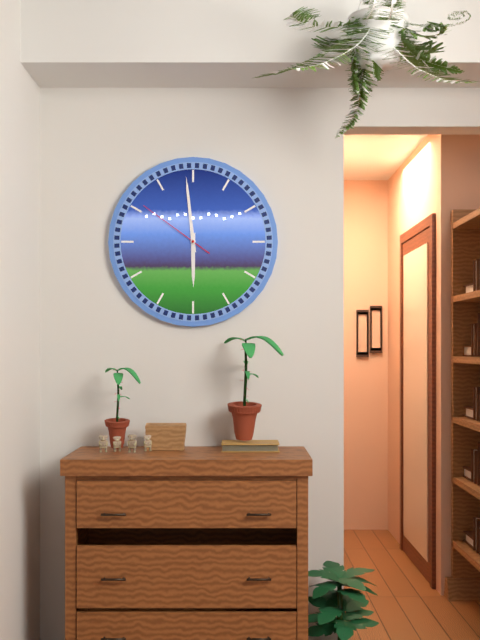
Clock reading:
5 h 59 min 51 s
